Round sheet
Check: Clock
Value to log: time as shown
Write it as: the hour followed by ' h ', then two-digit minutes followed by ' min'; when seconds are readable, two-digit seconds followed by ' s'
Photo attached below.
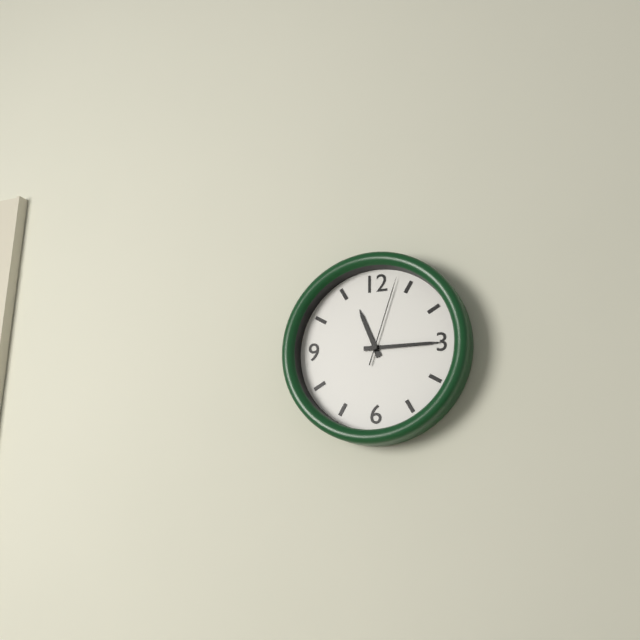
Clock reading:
11 h 15 min 03 s
